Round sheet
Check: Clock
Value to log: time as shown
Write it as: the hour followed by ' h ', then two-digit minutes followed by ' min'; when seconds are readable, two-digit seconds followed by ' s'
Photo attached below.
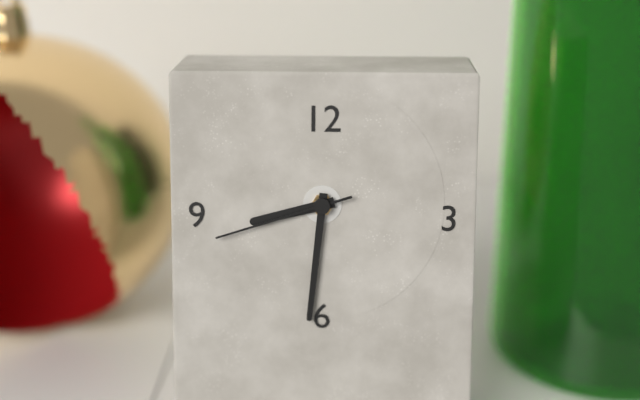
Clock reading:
8 h 31 min 42 s
